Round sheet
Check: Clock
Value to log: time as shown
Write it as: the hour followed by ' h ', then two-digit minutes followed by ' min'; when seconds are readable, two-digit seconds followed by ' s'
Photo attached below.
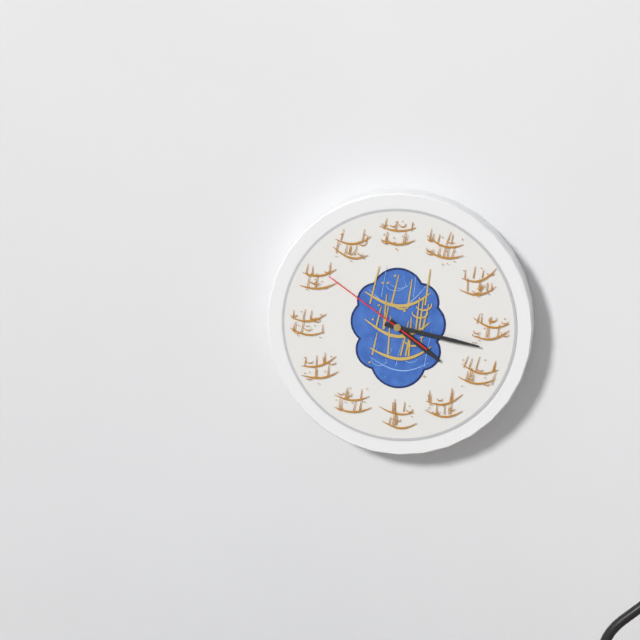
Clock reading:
4 h 17 min 51 s
